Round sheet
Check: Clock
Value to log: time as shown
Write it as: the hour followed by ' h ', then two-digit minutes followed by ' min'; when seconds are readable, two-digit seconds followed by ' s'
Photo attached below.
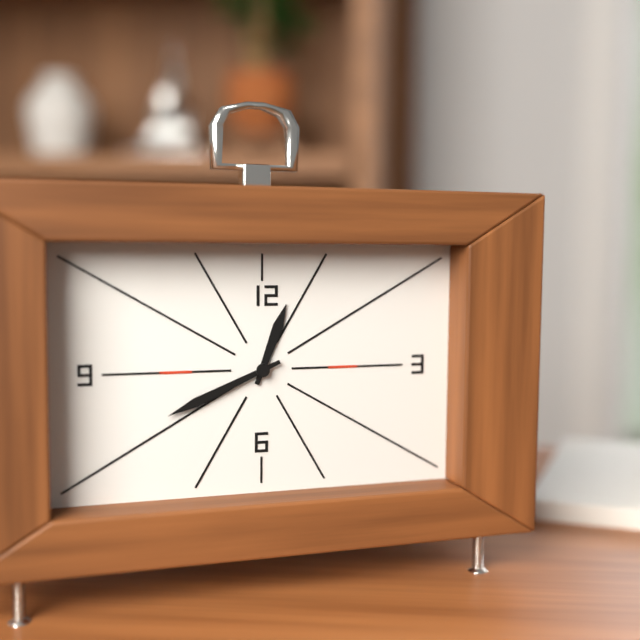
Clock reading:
12 h 41 min
